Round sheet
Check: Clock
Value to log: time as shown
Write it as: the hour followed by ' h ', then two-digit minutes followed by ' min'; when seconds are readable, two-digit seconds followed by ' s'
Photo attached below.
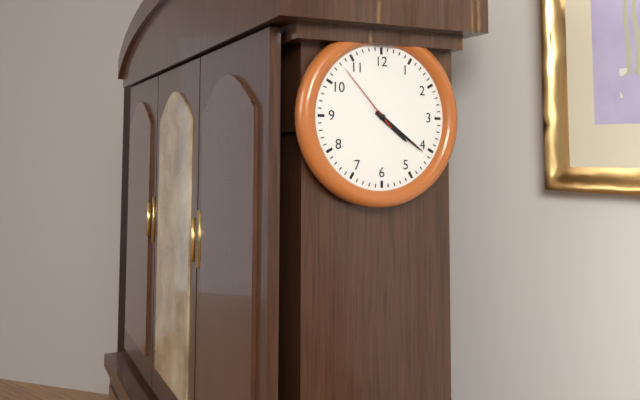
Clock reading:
4 h 21 min 53 s
